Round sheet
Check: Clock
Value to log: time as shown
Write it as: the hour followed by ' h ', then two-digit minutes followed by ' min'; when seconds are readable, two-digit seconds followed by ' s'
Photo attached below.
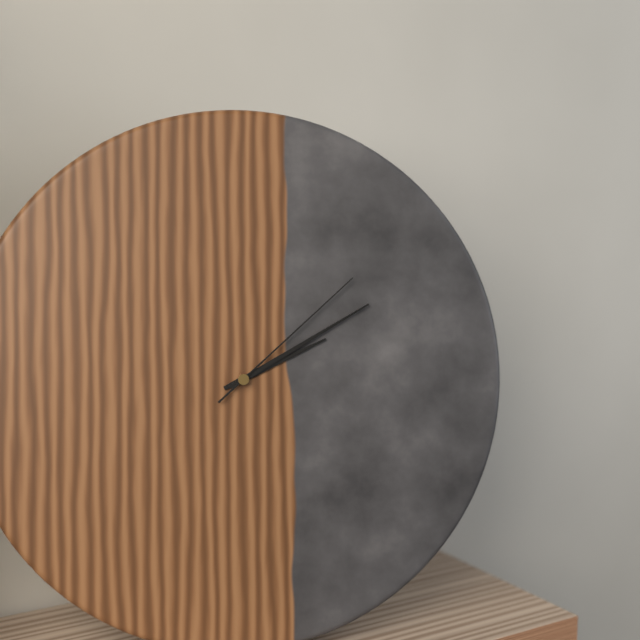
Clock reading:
2 h 10 min 08 s
